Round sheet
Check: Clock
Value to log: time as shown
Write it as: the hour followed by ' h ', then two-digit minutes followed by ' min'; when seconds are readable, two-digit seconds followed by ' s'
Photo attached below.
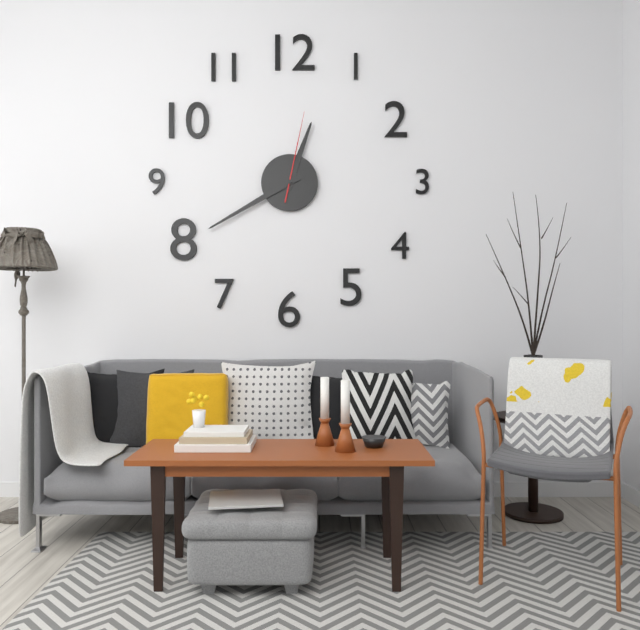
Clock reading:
12 h 40 min 02 s
